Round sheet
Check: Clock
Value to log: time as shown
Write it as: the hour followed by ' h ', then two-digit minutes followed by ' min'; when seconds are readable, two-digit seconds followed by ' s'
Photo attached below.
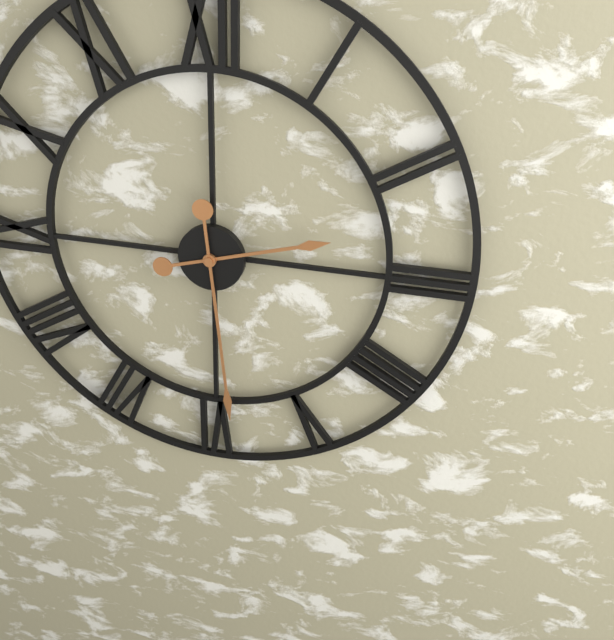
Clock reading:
2 h 29 min
